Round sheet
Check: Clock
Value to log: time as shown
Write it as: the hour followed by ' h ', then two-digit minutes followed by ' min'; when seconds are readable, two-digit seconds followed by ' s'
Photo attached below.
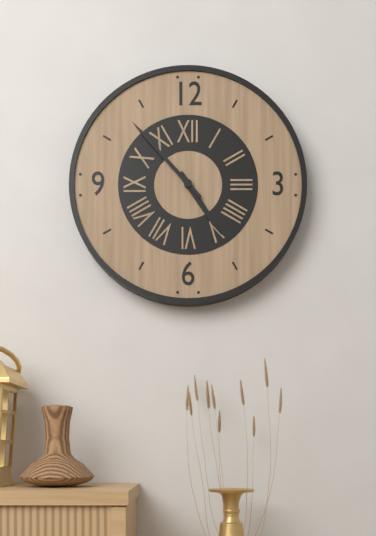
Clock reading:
4 h 53 min
